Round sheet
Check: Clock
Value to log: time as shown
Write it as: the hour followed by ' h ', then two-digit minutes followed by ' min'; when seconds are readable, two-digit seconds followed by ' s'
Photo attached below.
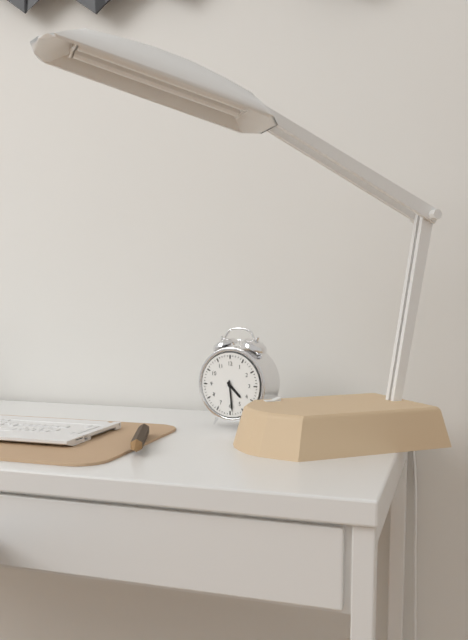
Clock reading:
4 h 29 min
